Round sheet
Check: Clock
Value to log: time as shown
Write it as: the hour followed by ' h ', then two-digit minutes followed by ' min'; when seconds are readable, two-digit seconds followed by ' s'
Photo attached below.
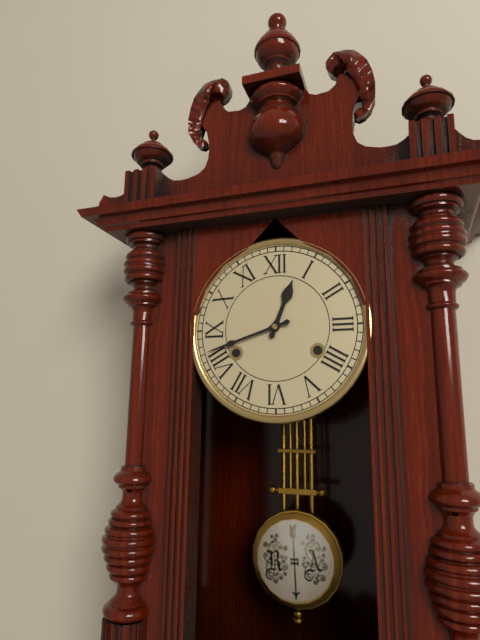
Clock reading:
12 h 42 min
